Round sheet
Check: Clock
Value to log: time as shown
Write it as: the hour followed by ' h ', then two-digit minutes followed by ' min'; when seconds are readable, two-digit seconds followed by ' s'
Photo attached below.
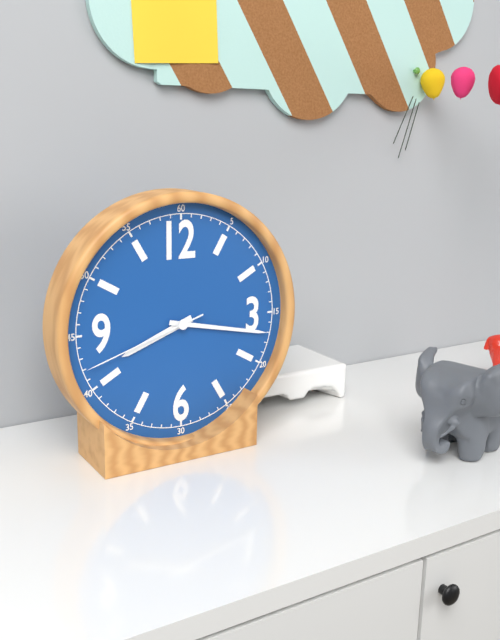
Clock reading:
8 h 17 min 42 s
